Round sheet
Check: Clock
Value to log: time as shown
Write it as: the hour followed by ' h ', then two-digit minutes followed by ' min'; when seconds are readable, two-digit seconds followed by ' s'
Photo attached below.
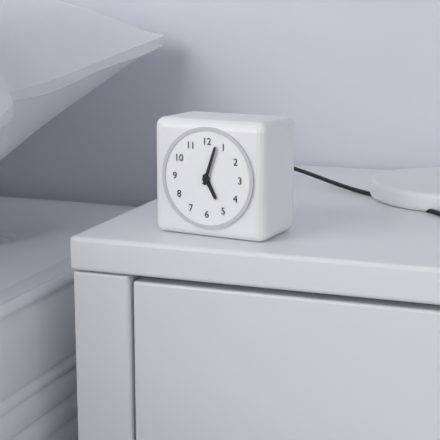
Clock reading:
5 h 03 min
